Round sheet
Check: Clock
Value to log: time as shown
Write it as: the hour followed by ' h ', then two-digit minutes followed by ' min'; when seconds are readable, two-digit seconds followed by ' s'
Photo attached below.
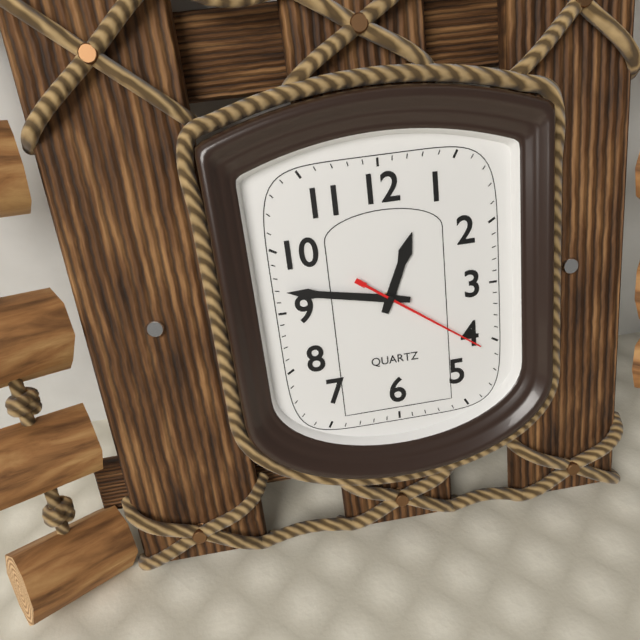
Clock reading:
12 h 47 min 21 s
